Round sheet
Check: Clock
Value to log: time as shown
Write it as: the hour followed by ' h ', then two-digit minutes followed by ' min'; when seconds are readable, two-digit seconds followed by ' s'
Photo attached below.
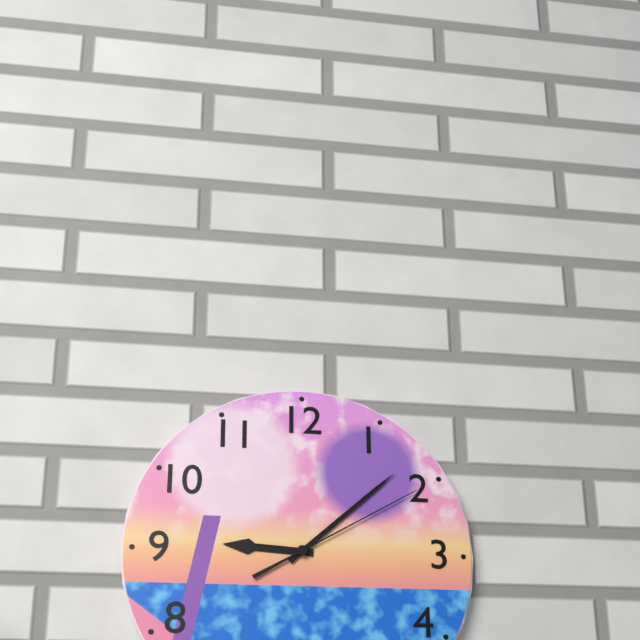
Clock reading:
9 h 08 min 10 s
